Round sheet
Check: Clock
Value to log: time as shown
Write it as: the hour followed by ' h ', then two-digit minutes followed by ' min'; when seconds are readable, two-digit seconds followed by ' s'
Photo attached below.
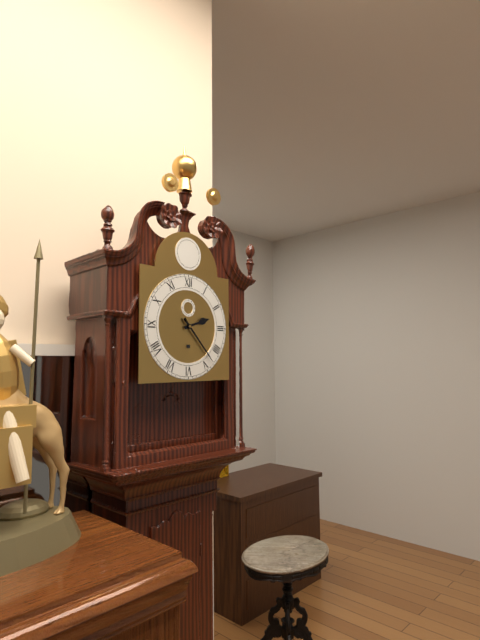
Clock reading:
2 h 23 min
